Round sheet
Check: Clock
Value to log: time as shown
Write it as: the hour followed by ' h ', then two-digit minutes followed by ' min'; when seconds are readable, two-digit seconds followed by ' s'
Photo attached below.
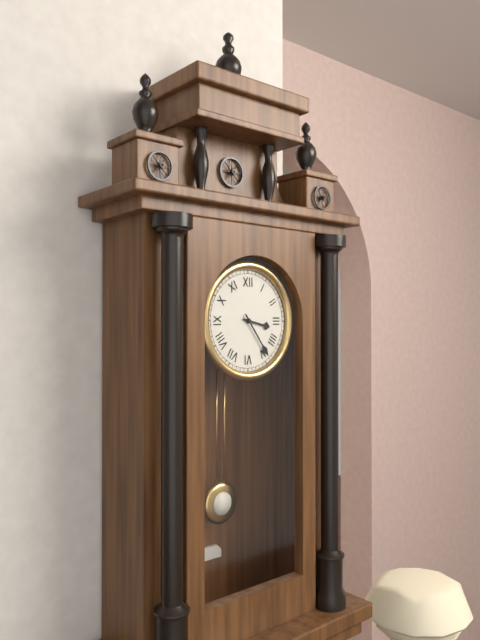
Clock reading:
3 h 24 min
